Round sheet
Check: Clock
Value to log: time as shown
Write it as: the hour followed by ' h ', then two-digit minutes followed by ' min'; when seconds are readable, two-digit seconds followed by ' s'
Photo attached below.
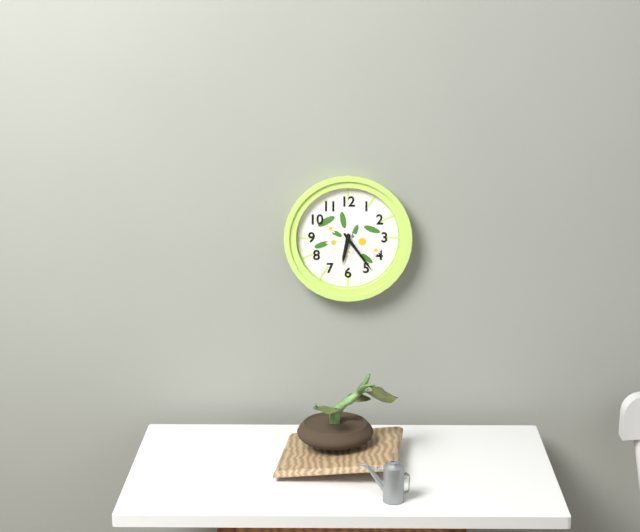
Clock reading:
6 h 24 min
